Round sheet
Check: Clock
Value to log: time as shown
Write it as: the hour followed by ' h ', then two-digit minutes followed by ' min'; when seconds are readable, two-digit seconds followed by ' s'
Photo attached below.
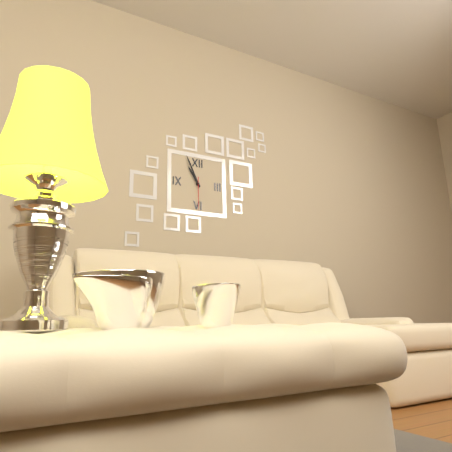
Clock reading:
10 h 56 min
